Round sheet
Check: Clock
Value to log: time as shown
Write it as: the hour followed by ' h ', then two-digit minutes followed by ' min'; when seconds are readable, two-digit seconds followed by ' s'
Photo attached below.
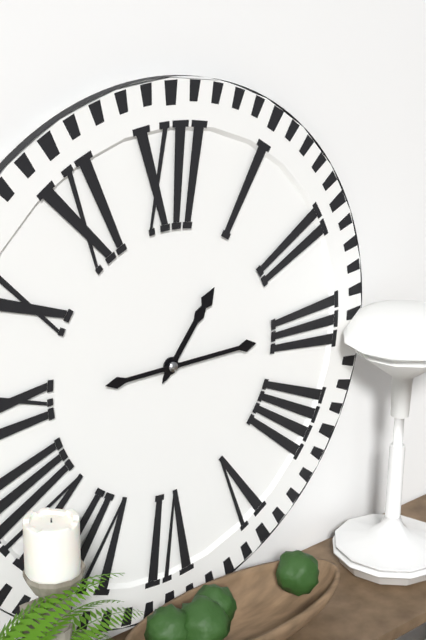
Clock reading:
1 h 15 min
